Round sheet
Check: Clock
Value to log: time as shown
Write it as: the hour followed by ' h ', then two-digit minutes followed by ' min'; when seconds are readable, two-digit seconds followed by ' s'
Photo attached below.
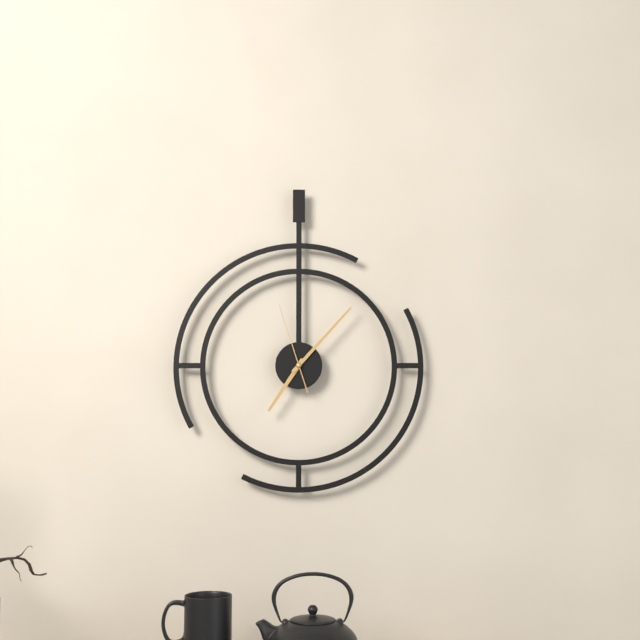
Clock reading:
7 h 07 min 57 s
